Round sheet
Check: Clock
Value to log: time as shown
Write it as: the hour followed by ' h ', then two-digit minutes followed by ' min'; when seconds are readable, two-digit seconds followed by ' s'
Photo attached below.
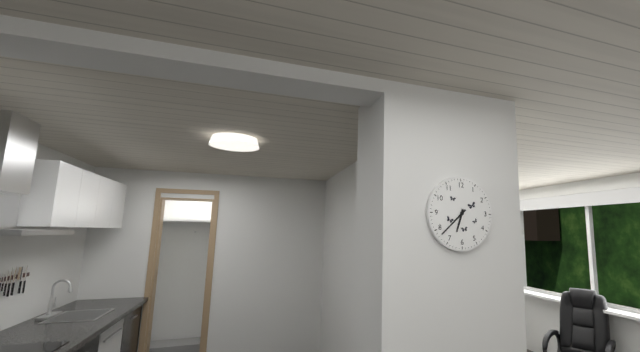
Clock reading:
6 h 38 min
